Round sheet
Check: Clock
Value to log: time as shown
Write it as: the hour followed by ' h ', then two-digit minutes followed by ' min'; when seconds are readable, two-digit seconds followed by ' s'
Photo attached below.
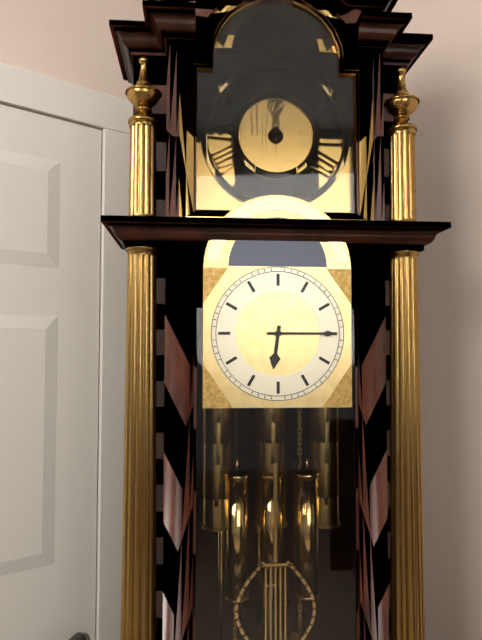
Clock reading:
6 h 15 min
